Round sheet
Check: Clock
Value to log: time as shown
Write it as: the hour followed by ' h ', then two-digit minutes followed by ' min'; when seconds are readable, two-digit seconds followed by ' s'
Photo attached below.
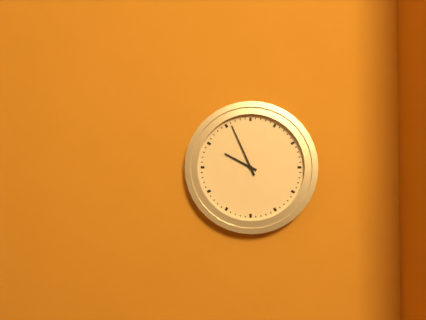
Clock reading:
9 h 56 min
